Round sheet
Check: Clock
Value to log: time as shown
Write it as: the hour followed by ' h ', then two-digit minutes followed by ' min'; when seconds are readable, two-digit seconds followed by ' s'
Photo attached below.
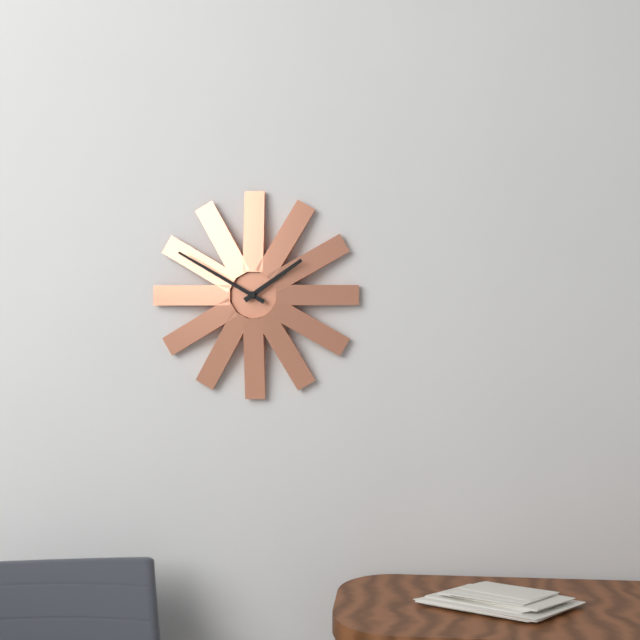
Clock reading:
1 h 50 min
